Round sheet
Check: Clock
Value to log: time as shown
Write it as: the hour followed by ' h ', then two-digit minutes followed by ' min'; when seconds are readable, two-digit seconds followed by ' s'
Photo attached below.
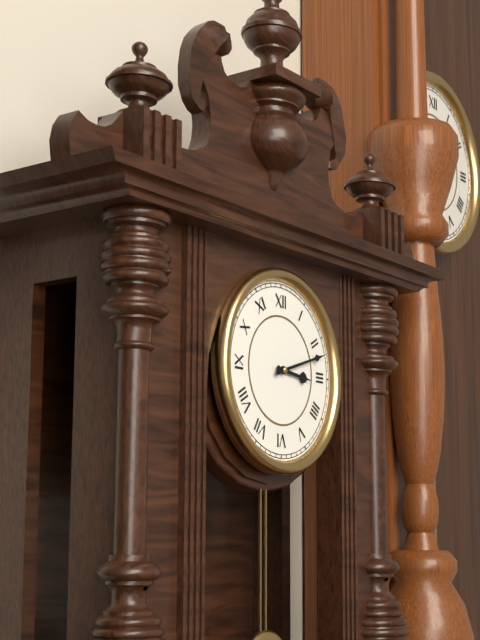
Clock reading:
3 h 12 min
